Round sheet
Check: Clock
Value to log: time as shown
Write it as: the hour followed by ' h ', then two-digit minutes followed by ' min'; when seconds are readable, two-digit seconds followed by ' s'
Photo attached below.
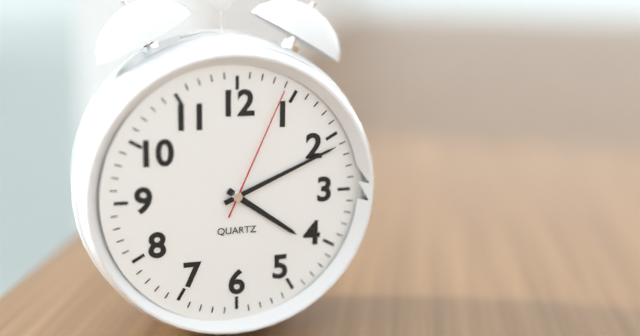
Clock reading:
4 h 11 min 04 s
